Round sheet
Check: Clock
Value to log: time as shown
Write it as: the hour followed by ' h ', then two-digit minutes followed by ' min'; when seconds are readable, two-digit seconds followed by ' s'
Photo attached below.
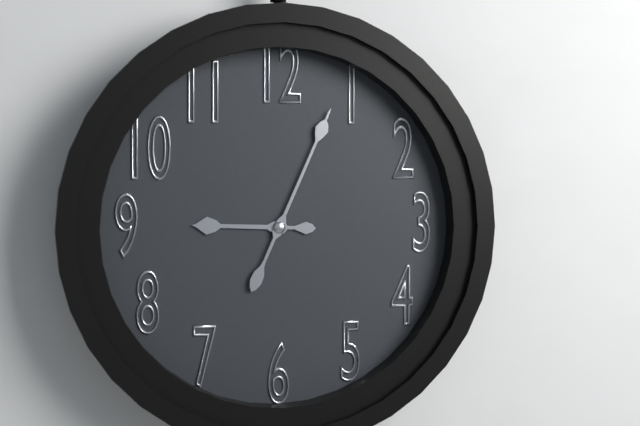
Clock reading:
9 h 04 min
